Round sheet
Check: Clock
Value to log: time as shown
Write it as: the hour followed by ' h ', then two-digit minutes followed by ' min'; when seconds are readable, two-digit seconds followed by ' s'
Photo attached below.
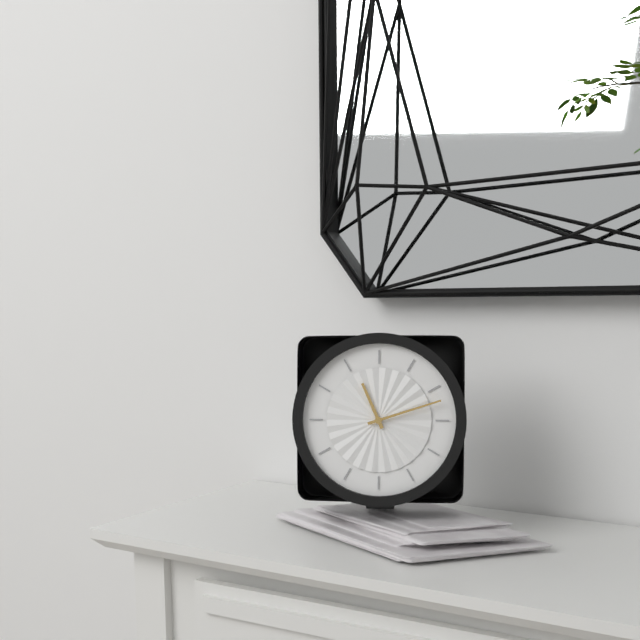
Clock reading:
11 h 12 min
